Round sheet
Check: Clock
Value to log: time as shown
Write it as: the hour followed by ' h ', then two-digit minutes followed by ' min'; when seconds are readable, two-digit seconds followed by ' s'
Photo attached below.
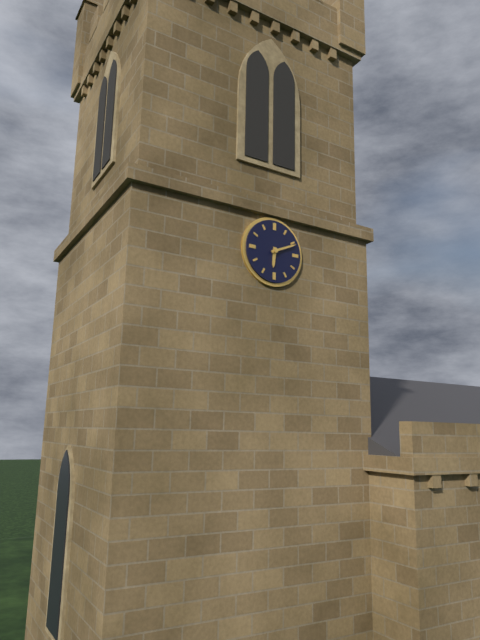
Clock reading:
6 h 11 min
